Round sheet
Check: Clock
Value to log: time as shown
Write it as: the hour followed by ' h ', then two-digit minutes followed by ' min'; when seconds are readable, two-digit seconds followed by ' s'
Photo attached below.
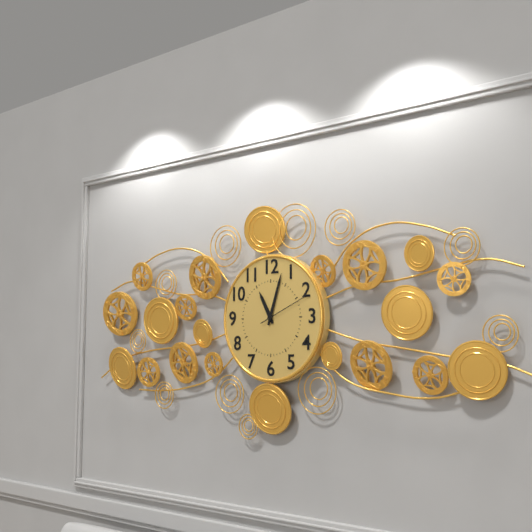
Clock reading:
11 h 03 min 11 s
